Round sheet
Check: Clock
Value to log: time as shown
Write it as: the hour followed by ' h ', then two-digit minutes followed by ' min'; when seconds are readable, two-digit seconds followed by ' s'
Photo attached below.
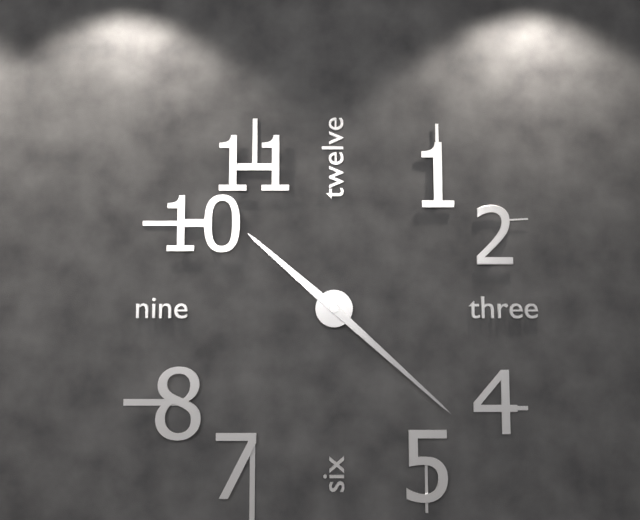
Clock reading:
10 h 22 min
